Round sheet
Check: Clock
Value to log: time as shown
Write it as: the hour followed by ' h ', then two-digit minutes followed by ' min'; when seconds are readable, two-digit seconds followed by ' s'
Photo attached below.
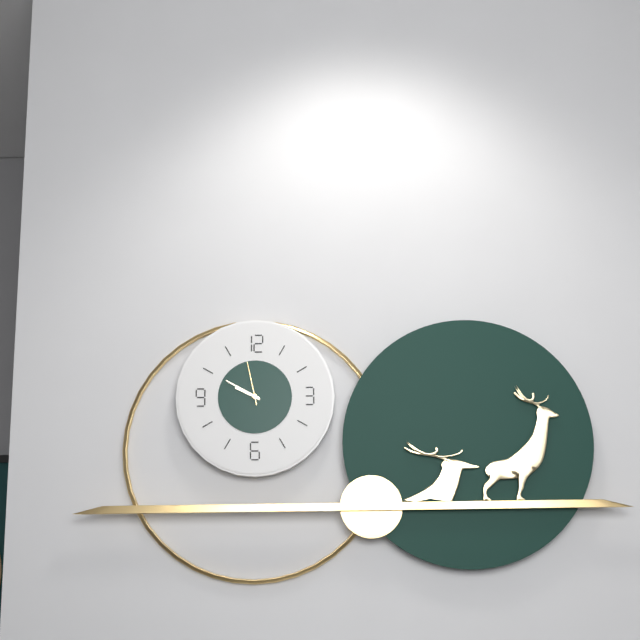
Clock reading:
9 h 50 min
